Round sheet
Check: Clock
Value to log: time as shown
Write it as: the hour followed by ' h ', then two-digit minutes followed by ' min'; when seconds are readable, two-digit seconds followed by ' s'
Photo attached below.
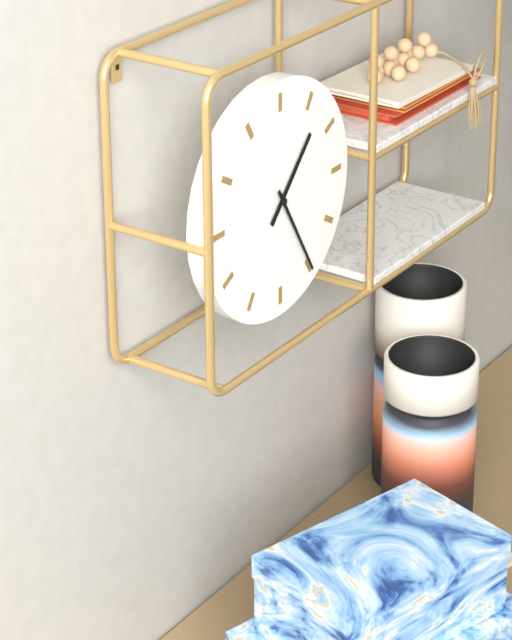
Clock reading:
1 h 25 min
